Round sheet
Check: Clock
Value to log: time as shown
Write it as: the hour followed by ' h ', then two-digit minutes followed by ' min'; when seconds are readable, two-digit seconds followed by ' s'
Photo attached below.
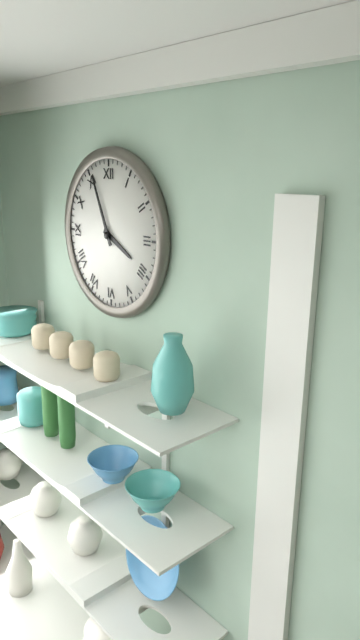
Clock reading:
3 h 56 min
